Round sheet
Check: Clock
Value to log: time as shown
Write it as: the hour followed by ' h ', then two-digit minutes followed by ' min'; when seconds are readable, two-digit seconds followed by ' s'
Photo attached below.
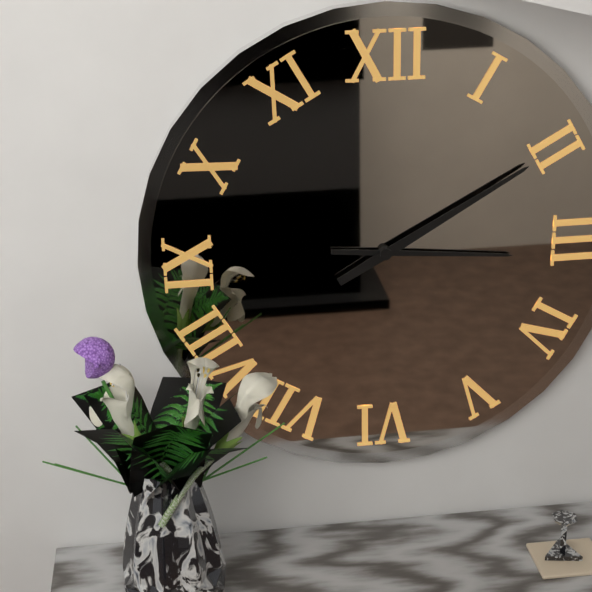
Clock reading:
3 h 10 min
